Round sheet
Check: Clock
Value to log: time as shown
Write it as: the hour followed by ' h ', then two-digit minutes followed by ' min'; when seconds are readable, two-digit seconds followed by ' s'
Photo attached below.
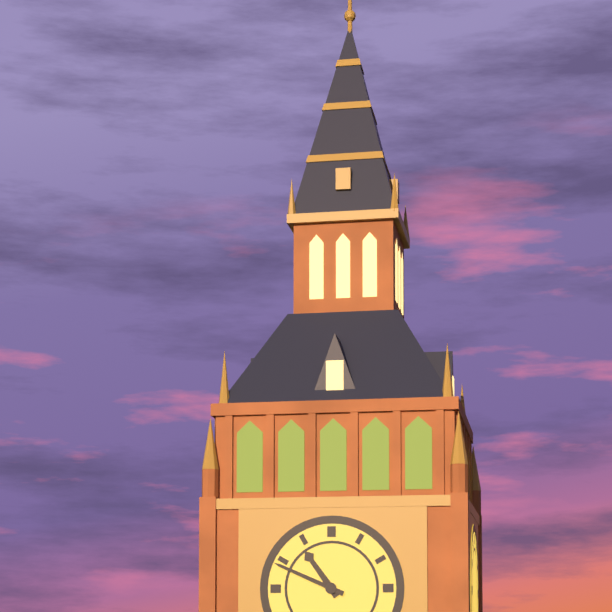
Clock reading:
10 h 49 min
